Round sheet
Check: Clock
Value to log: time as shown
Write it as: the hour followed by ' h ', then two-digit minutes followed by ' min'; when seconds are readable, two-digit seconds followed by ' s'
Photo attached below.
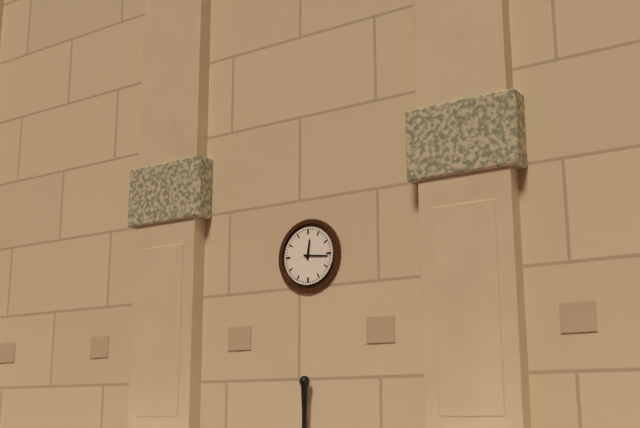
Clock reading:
12 h 16 min
